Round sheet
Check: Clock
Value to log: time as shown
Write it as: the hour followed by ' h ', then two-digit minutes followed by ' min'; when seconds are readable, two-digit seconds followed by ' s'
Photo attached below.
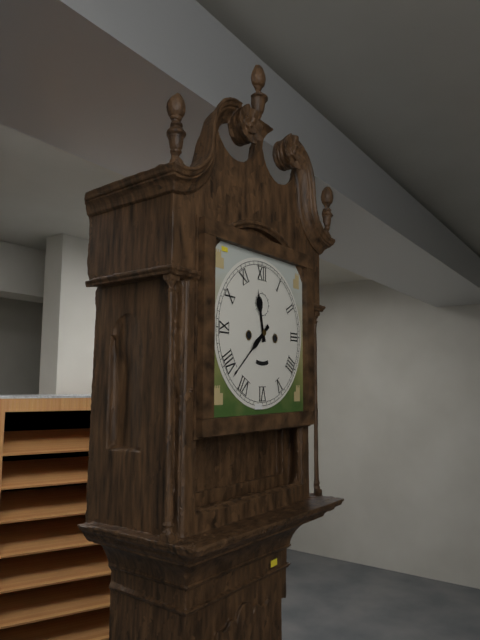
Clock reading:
11 h 38 min
